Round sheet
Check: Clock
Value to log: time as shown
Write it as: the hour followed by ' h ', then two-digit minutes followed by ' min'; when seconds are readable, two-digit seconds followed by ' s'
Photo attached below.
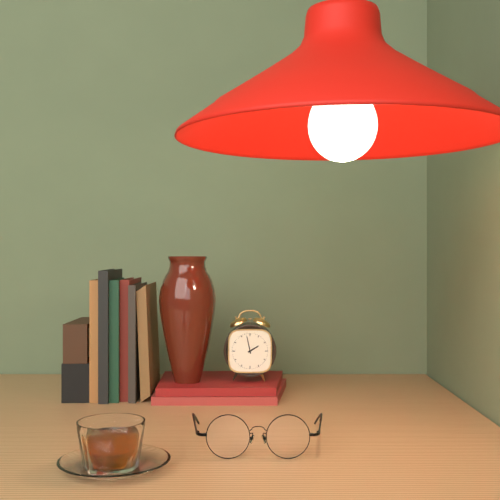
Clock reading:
1 h 58 min
